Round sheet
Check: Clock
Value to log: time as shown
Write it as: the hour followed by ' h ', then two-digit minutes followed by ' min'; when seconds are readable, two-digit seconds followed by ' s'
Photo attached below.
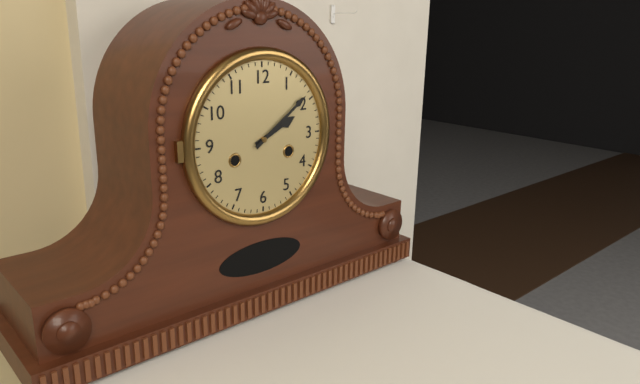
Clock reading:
2 h 09 min
